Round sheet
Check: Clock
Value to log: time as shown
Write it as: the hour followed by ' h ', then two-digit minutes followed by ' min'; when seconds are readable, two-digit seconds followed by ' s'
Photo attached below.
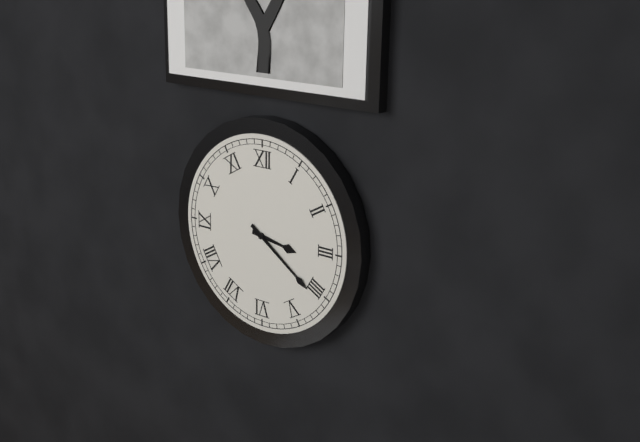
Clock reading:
3 h 21 min
